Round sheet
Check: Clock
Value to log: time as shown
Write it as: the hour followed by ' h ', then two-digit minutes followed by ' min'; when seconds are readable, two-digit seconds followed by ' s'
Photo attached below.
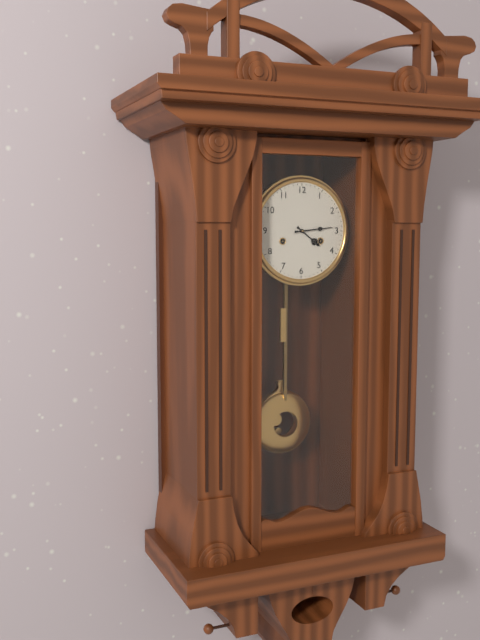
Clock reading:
4 h 14 min
